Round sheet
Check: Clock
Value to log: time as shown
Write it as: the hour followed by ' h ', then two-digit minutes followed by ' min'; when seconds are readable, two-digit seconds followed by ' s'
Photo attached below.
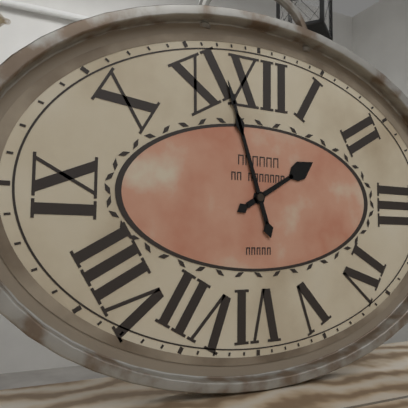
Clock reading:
1 h 57 min
